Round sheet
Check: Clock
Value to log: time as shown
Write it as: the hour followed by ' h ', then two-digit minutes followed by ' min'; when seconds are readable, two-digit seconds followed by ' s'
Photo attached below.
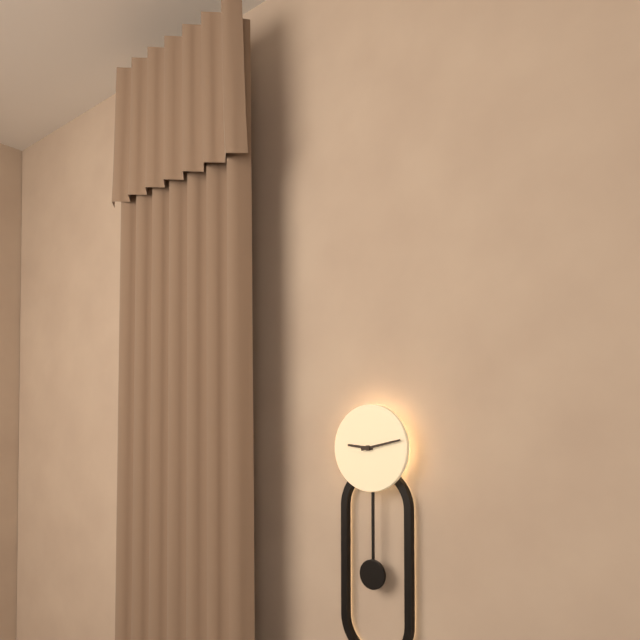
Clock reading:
9 h 13 min
